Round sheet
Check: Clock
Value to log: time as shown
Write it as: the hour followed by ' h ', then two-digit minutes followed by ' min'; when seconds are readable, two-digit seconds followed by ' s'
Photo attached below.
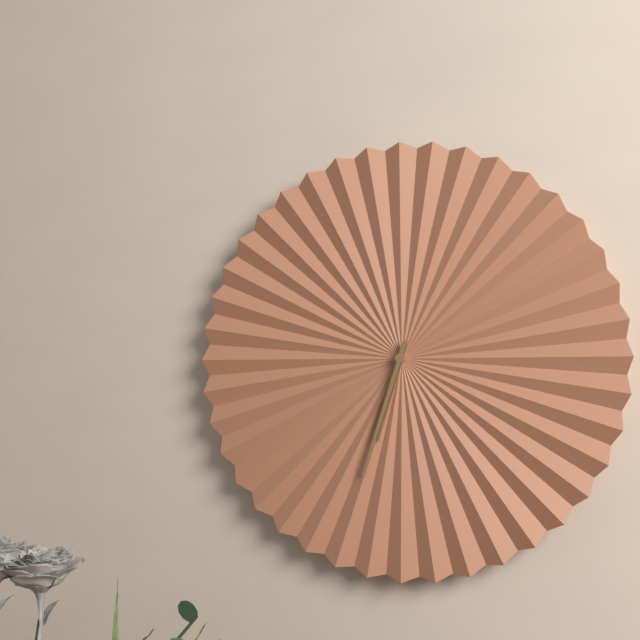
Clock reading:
6 h 33 min
